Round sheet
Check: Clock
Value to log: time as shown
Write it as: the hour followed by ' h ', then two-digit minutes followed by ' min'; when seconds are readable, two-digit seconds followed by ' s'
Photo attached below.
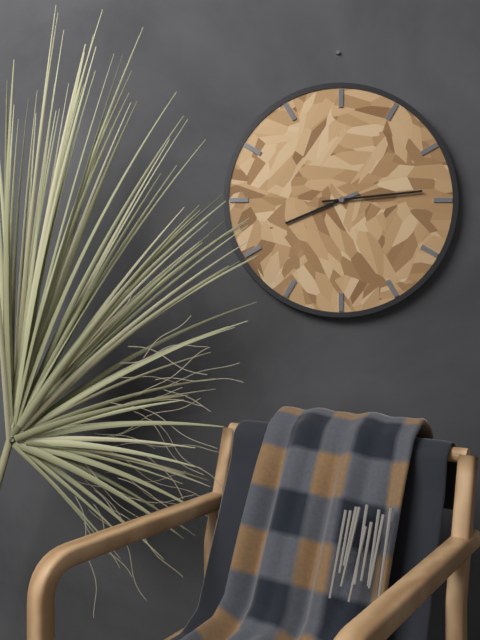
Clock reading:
8 h 14 min
